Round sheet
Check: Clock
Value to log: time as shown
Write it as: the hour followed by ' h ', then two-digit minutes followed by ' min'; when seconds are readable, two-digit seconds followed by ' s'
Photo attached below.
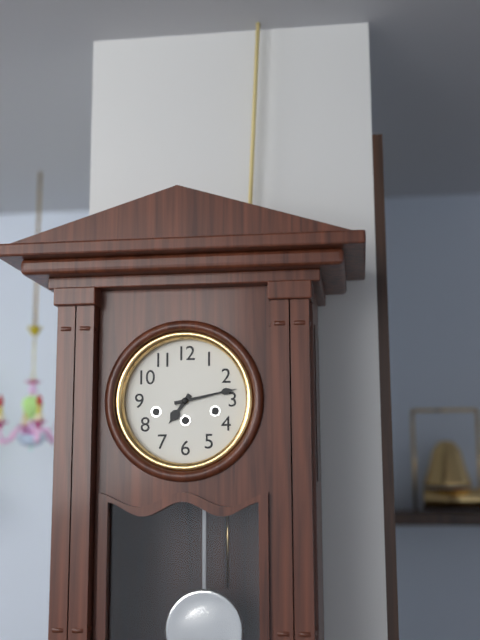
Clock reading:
7 h 13 min
